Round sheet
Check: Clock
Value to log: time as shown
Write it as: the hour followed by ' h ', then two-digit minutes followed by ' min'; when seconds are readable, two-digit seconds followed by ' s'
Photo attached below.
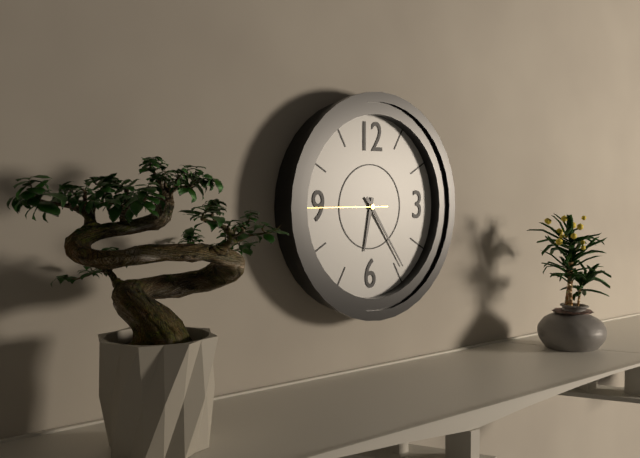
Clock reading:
6 h 24 min 45 s
